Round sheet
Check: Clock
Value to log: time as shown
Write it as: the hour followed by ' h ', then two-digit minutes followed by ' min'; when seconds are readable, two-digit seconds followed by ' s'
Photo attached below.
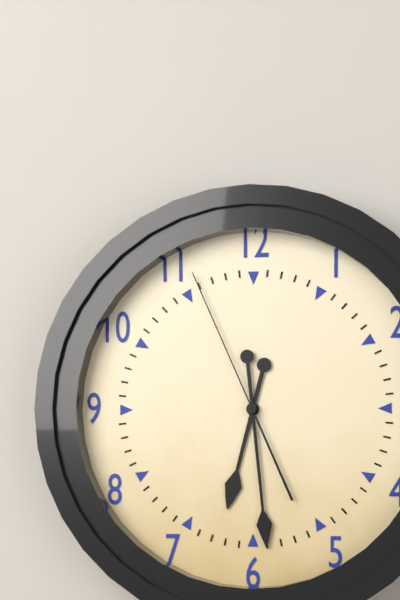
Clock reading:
6 h 29 min 56 s
